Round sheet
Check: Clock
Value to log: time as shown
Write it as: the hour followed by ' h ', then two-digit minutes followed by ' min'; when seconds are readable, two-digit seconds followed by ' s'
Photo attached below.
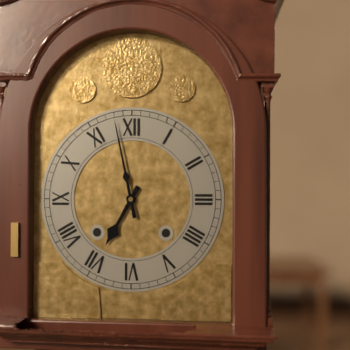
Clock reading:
6 h 58 min
